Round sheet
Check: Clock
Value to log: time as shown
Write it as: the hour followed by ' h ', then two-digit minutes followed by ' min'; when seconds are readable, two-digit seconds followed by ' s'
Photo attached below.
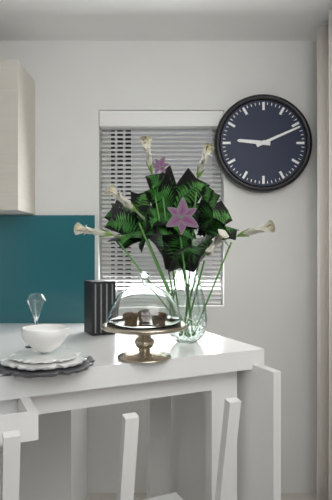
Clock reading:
9 h 11 min
